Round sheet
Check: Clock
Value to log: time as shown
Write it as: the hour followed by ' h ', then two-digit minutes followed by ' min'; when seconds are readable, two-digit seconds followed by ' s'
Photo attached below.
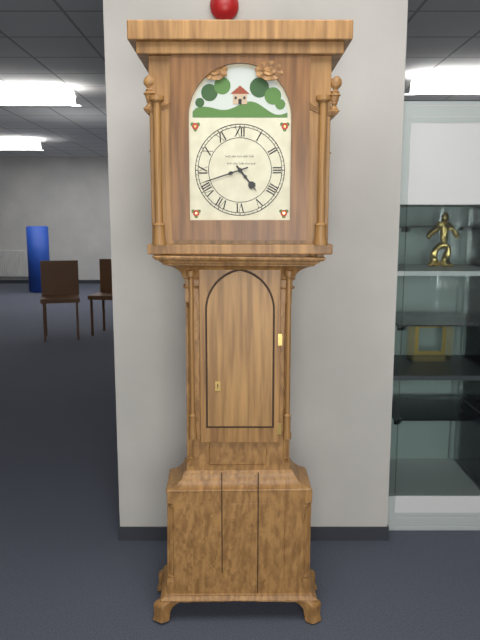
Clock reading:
4 h 42 min
